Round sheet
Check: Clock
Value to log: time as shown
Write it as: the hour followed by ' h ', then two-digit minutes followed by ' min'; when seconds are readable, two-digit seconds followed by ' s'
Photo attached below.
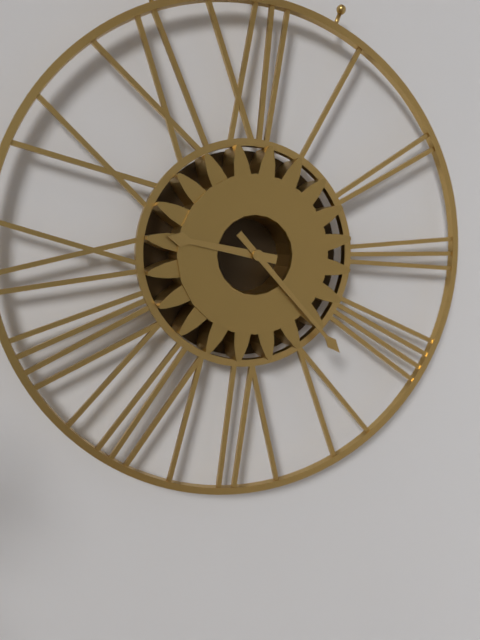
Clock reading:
9 h 23 min
